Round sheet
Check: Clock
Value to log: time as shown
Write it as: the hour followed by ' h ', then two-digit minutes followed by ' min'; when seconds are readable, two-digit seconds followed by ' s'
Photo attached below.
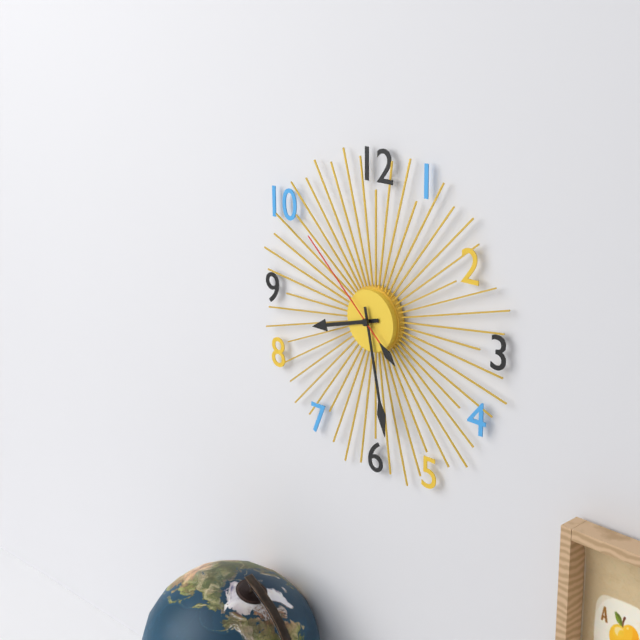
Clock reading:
8 h 28 min 52 s
